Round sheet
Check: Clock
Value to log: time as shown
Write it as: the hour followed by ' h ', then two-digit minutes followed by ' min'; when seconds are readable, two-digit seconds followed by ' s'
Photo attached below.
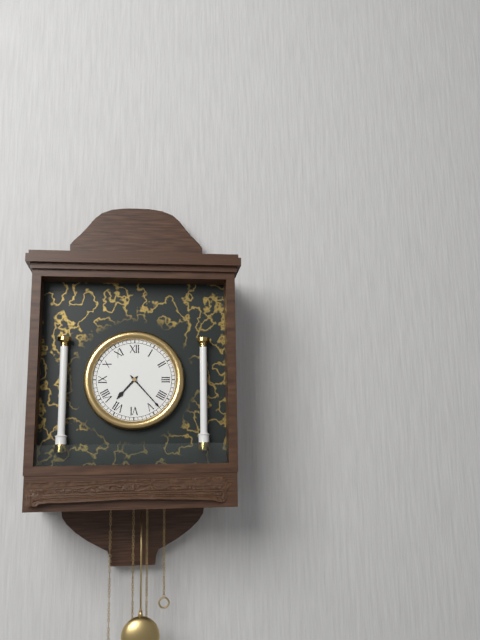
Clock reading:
7 h 23 min
